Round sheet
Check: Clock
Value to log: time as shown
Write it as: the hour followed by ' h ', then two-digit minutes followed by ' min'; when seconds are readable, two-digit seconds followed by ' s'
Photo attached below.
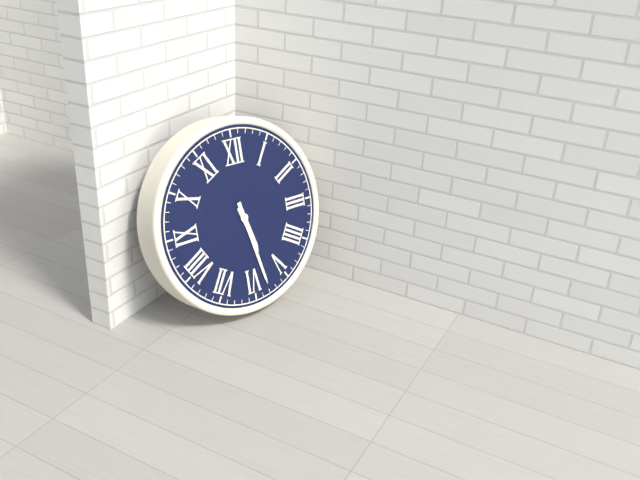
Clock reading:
5 h 28 min
